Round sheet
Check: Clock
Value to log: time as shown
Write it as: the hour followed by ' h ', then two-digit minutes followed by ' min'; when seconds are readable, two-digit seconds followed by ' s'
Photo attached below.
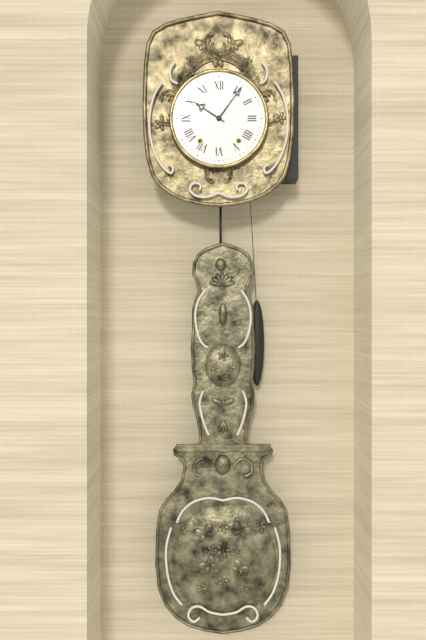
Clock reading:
10 h 06 min
